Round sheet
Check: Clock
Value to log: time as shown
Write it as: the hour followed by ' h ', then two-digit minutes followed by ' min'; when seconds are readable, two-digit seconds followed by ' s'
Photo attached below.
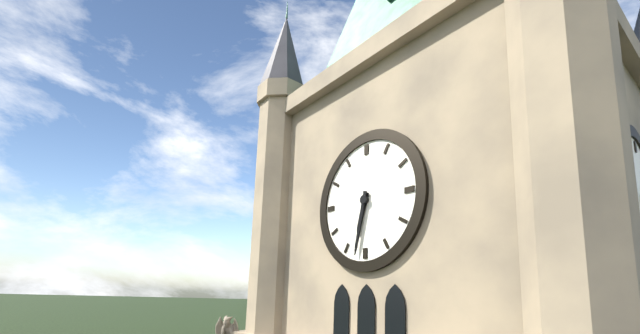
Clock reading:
6 h 32 min
